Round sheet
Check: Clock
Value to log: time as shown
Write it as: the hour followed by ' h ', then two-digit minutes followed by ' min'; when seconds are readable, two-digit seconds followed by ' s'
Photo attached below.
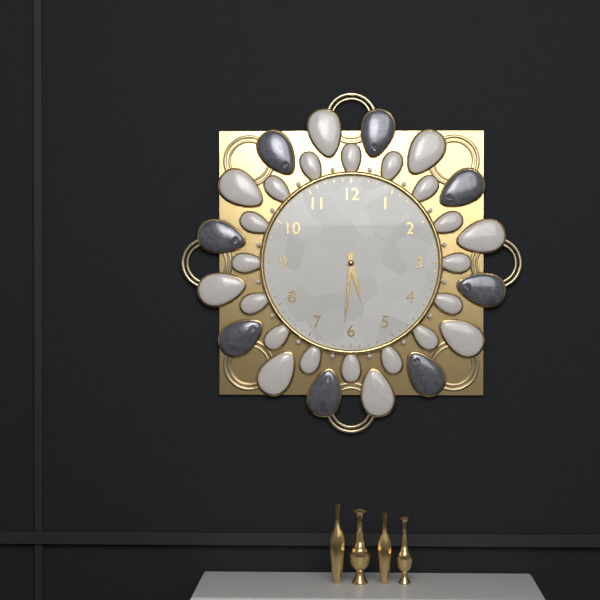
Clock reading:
5 h 31 min
